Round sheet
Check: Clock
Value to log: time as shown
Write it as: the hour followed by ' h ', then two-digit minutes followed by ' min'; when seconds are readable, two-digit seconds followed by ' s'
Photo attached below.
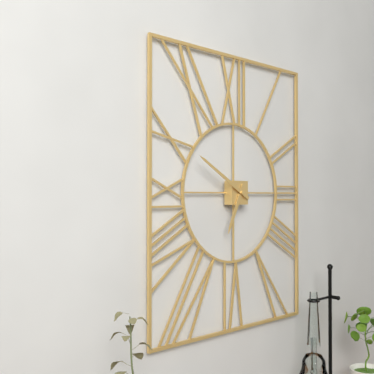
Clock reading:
6 h 50 min
